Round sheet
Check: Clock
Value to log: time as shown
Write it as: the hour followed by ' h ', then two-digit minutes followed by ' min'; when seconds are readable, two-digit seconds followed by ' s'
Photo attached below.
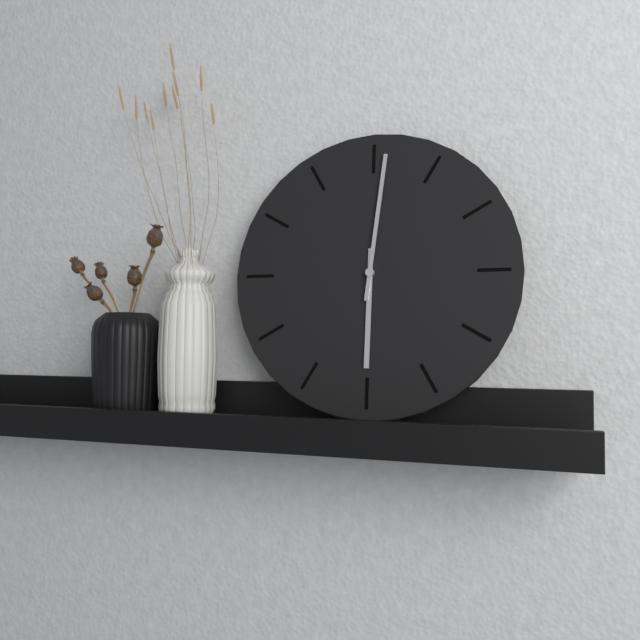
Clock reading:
6 h 01 min
